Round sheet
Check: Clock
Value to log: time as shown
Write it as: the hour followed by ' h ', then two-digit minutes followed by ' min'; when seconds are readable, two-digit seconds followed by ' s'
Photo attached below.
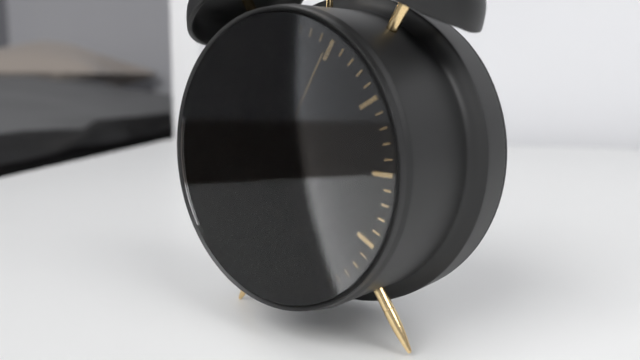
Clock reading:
6 h 01 min 05 s
